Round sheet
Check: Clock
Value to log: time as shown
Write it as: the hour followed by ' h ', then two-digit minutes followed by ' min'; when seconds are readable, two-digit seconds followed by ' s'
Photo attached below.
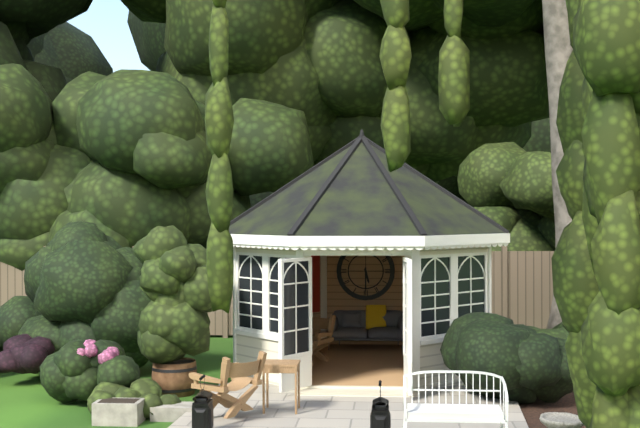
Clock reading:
5 h 30 min
